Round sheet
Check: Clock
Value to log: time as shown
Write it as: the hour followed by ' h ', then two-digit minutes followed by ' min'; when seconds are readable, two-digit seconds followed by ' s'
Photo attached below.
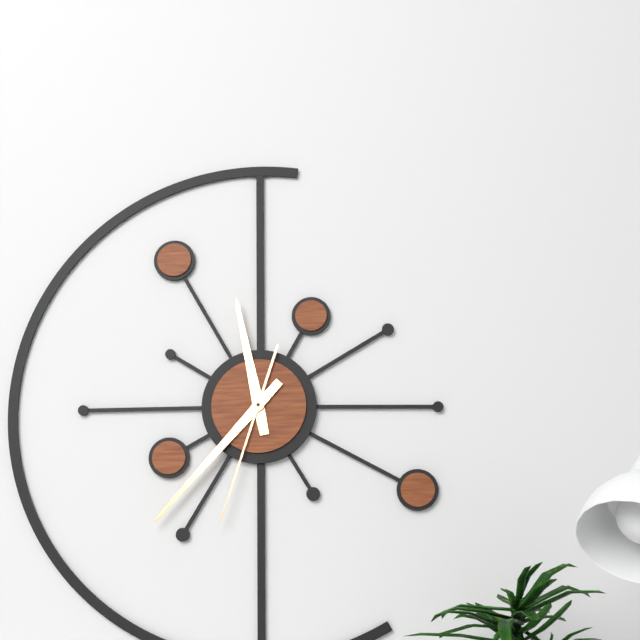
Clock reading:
11 h 37 min 33 s
